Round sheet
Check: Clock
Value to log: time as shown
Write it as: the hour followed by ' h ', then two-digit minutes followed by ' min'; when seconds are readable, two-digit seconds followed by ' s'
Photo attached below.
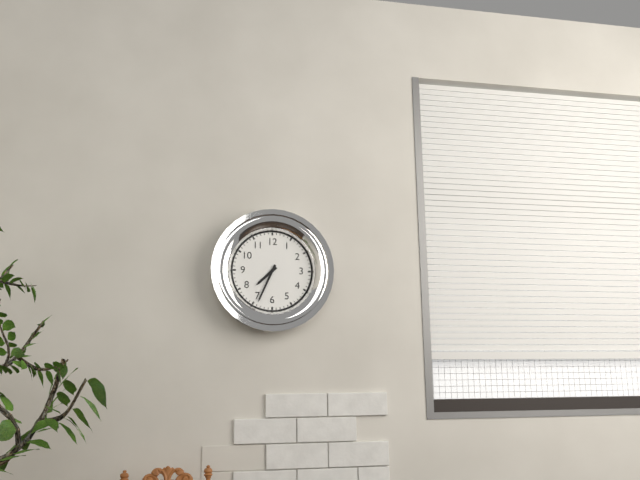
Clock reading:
7 h 34 min
